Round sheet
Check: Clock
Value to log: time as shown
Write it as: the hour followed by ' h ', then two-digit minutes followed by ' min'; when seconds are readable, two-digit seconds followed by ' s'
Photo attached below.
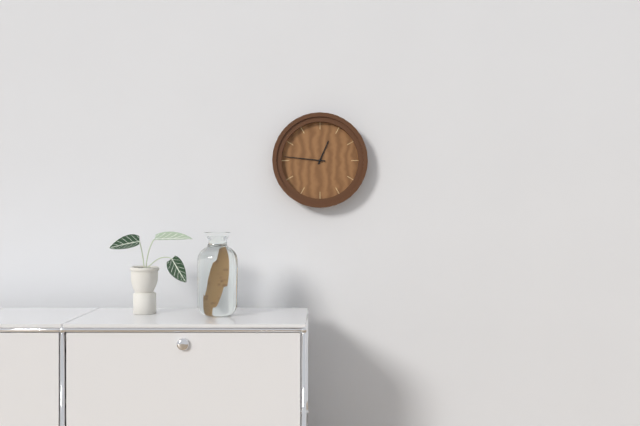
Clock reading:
12 h 46 min
